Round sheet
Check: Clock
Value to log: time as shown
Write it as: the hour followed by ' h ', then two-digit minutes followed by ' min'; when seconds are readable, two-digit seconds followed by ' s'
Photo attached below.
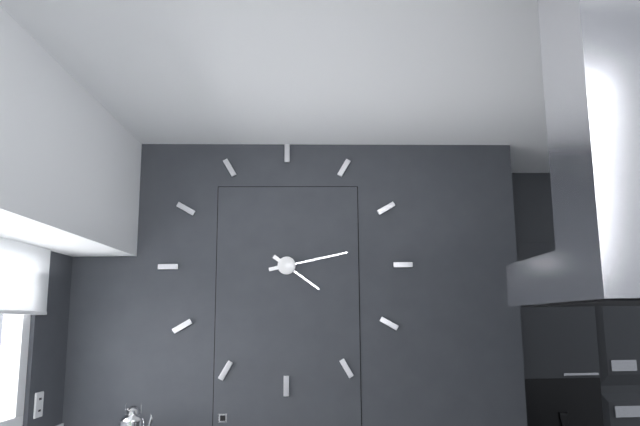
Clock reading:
4 h 13 min
